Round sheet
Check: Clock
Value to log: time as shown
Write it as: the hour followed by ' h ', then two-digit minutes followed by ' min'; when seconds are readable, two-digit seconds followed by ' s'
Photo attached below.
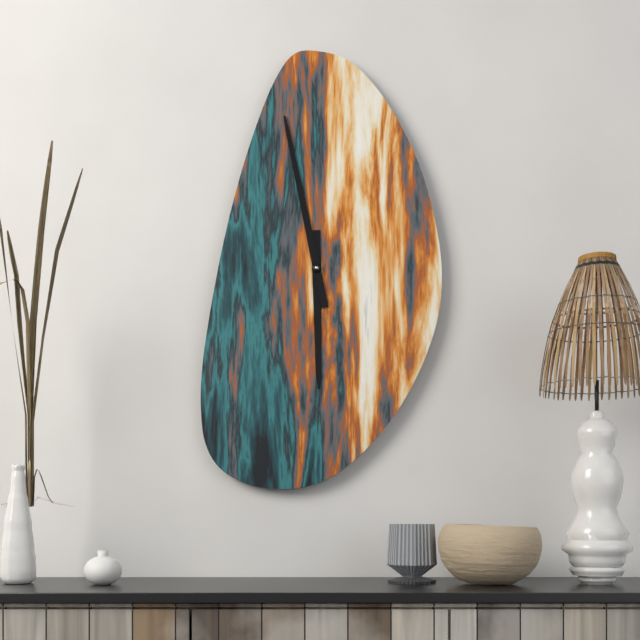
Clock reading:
5 h 58 min
